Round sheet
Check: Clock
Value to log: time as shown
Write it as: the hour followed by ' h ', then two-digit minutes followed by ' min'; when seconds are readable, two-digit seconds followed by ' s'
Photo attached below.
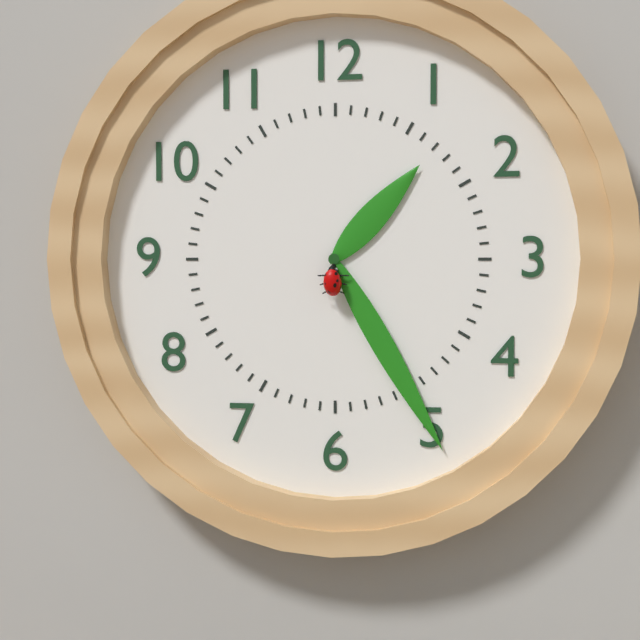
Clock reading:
1 h 25 min
